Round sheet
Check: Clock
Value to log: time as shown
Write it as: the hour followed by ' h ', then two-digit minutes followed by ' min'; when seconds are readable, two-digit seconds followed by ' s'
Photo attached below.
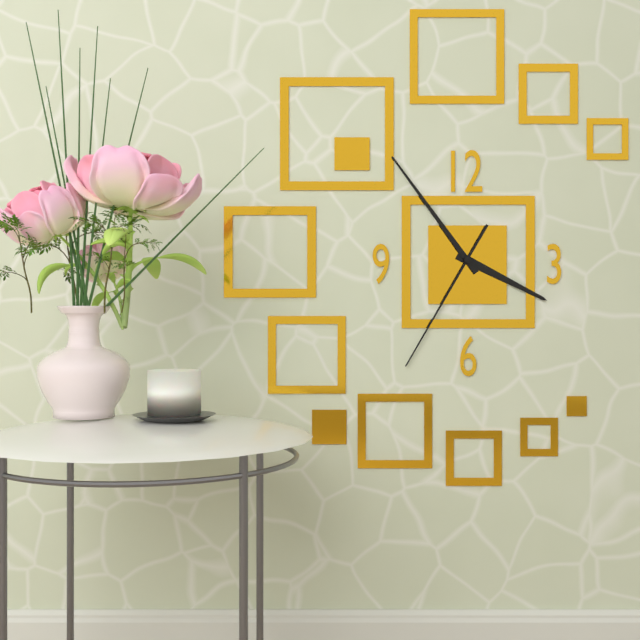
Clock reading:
3 h 54 min 35 s
